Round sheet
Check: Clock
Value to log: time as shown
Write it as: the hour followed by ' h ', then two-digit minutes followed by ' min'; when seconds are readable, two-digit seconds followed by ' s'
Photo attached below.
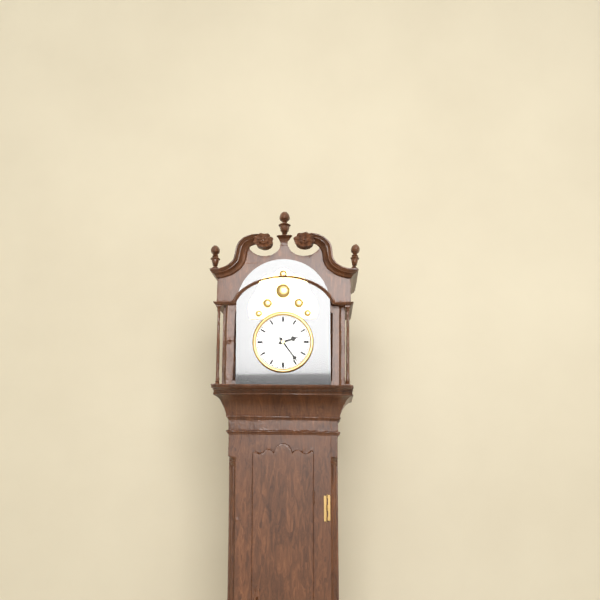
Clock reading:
2 h 24 min
